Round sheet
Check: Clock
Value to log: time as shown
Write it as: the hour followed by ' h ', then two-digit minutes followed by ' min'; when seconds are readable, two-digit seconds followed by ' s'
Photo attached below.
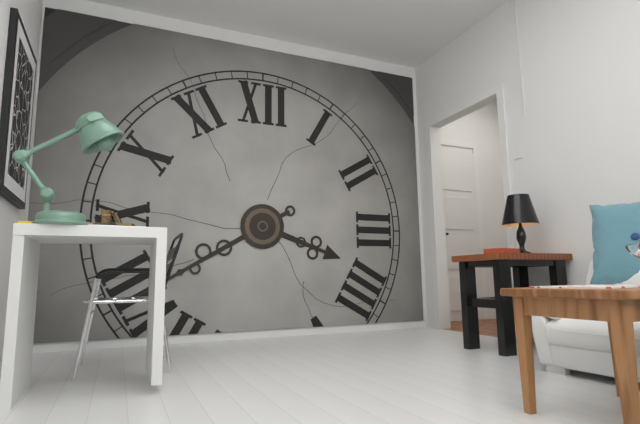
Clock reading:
3 h 40 min
